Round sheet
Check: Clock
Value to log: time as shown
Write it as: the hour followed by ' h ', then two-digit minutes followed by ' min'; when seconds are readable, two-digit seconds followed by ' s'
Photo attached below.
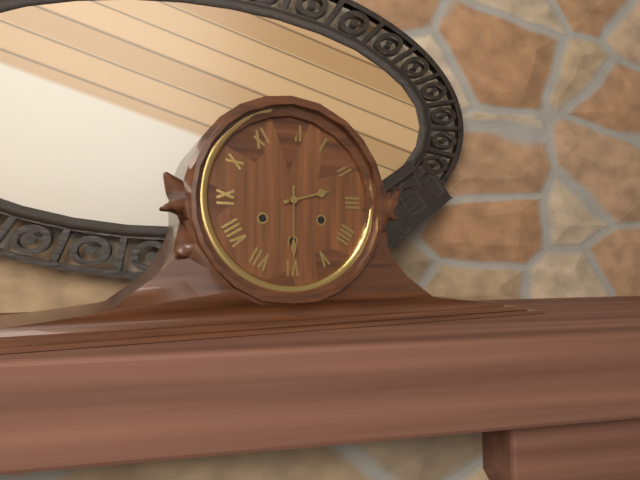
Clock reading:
2 h 30 min
